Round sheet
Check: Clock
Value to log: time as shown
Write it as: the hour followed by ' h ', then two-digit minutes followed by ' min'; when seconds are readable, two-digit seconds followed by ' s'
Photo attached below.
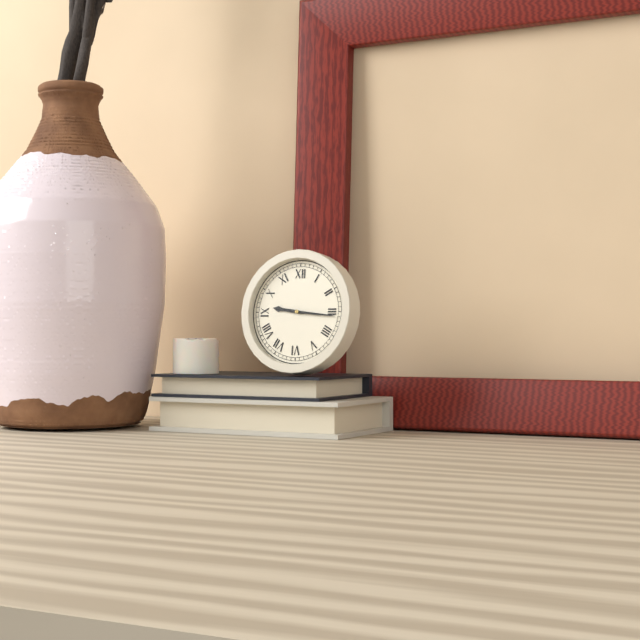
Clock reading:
9 h 16 min
